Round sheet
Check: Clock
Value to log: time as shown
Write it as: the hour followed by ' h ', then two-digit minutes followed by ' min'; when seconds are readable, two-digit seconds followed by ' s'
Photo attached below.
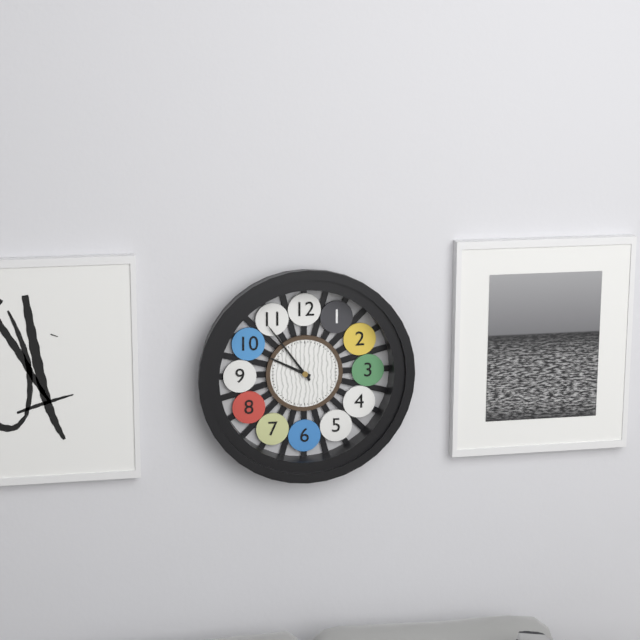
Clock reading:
9 h 54 min
